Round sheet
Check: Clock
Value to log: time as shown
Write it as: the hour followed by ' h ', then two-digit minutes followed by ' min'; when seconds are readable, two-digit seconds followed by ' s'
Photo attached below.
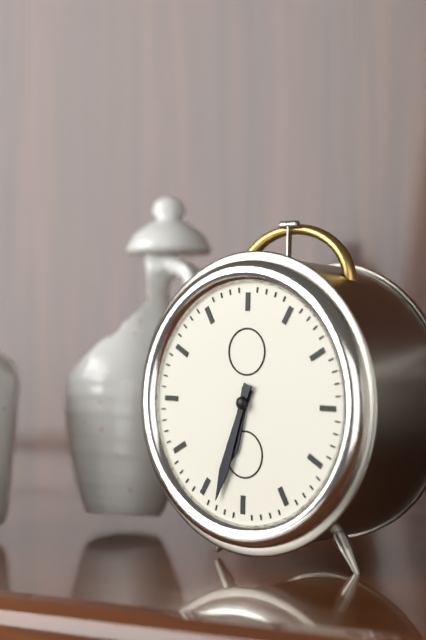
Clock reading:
6 h 33 min
